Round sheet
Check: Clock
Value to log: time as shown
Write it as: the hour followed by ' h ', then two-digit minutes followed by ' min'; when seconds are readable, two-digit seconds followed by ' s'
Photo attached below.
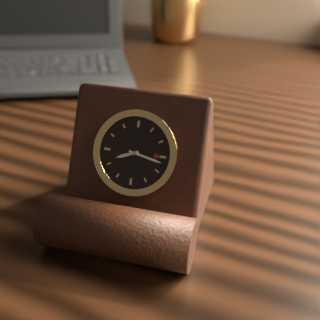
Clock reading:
8 h 17 min
